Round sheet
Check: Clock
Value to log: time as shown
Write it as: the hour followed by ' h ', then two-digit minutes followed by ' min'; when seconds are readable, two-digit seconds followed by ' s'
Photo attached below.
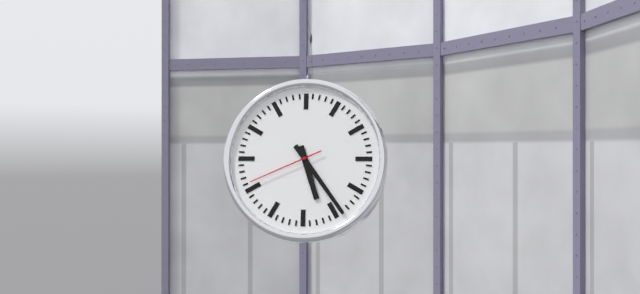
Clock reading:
5 h 24 min 41 s
